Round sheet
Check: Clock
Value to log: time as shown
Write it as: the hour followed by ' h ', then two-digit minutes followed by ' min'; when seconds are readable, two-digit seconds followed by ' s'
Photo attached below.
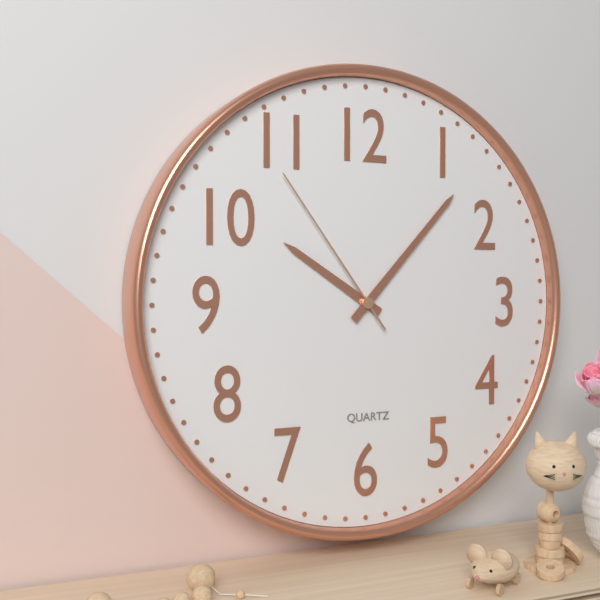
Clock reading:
10 h 07 min 54 s
